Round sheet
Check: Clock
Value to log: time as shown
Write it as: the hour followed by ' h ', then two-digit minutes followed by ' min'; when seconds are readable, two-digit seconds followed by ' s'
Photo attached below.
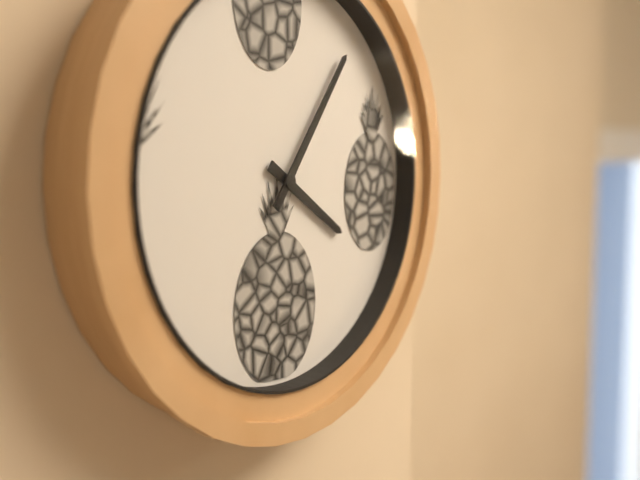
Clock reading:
4 h 06 min
